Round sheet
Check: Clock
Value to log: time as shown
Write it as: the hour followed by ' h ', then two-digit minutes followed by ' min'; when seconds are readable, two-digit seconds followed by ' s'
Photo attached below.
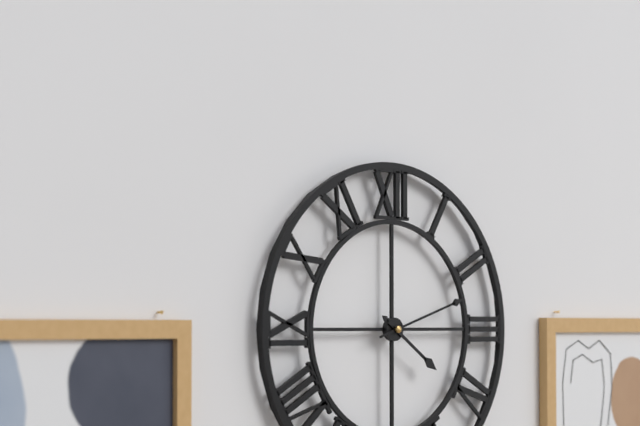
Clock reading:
4 h 12 min
